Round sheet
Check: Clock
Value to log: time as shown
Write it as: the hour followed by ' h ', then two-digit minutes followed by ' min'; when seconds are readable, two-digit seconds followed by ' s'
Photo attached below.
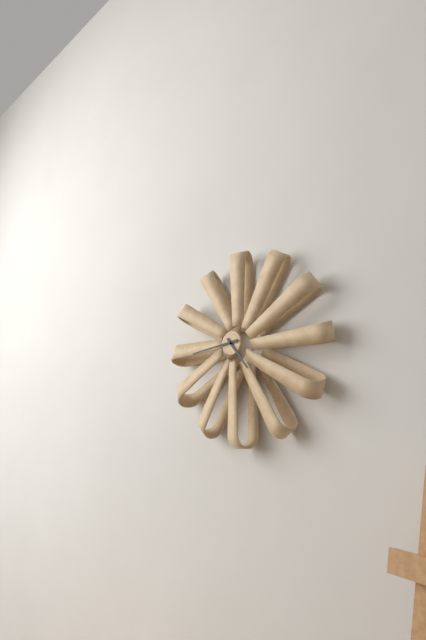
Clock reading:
4 h 44 min
